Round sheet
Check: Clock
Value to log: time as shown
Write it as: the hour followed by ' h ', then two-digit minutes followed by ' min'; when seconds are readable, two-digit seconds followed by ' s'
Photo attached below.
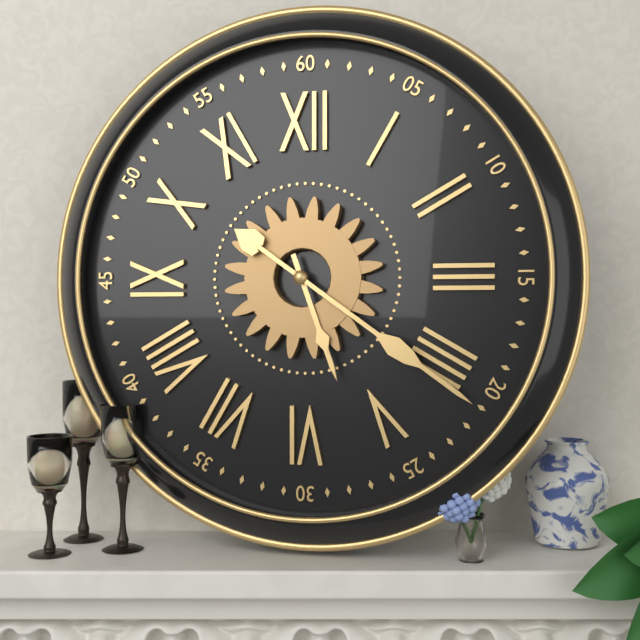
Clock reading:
5 h 21 min
